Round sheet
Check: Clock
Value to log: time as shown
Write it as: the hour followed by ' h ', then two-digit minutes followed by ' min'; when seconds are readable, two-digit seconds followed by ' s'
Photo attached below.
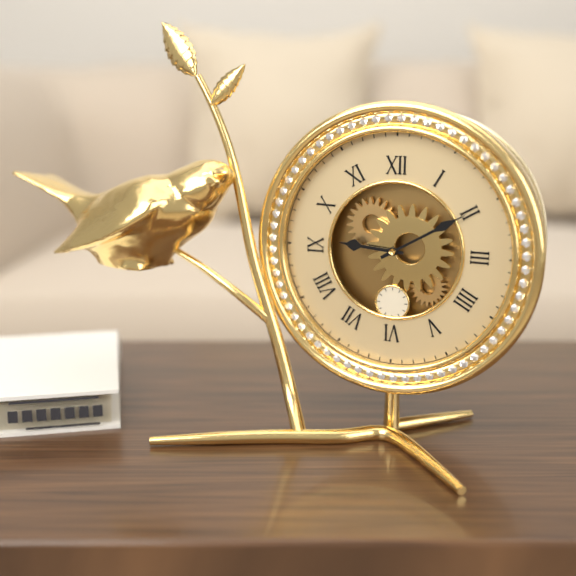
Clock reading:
9 h 10 min
